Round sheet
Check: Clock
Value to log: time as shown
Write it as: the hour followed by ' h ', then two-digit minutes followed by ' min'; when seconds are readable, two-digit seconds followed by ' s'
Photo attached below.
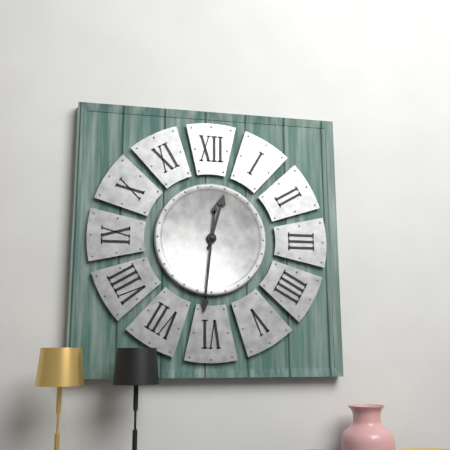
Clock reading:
12 h 31 min
